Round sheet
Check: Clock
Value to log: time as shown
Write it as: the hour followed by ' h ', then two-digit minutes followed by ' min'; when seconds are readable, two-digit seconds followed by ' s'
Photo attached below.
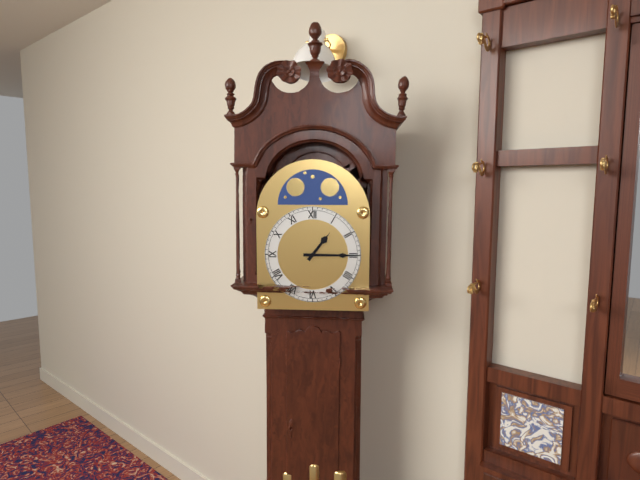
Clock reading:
1 h 15 min
